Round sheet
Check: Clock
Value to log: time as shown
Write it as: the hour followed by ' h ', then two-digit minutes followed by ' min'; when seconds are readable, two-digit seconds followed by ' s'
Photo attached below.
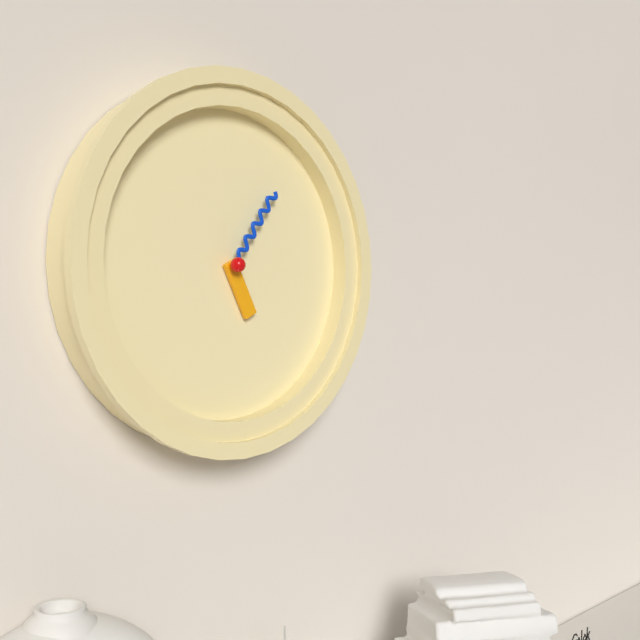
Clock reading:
5 h 06 min
